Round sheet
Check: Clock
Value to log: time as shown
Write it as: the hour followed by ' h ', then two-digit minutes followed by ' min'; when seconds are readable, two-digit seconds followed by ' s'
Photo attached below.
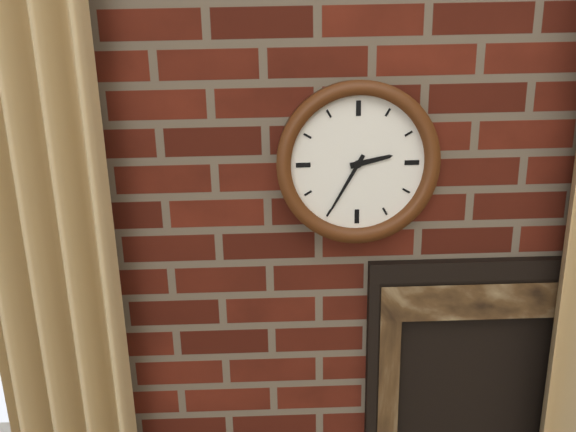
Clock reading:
2 h 35 min
